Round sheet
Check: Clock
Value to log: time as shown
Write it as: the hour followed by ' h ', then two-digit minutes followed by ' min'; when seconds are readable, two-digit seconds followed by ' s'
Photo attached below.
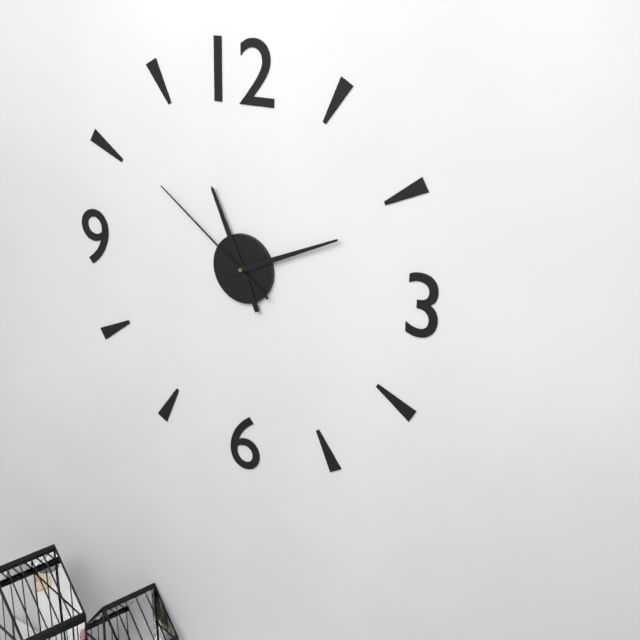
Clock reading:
11 h 11 min 51 s
